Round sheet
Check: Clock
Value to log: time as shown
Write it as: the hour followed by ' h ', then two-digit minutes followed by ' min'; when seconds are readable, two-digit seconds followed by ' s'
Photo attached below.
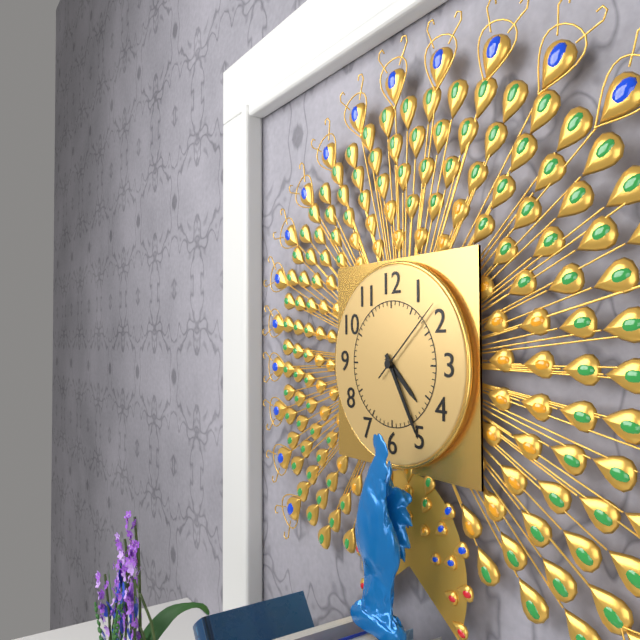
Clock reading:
4 h 25 min 08 s
